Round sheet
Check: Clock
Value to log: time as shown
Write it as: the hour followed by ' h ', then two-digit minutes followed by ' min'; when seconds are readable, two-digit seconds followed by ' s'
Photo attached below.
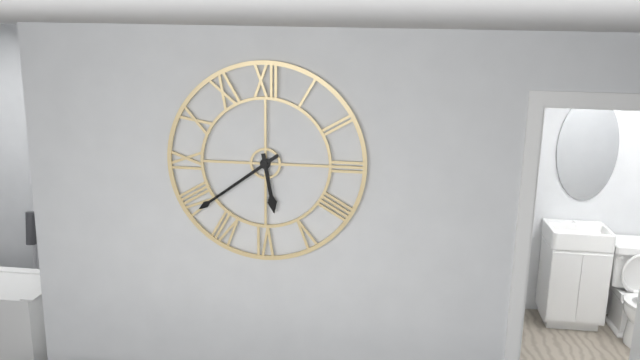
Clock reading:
5 h 39 min
